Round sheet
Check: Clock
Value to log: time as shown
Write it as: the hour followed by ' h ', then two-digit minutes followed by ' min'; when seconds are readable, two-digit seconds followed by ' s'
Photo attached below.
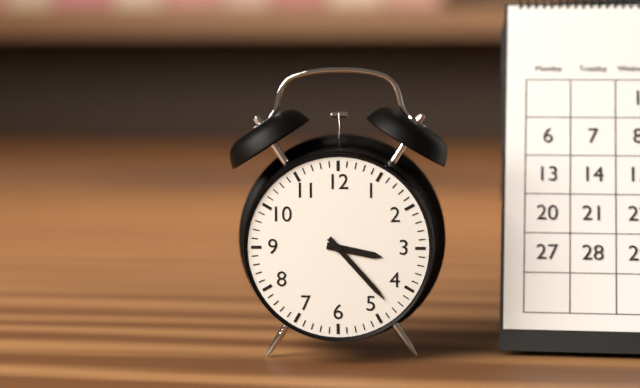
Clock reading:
3 h 23 min
